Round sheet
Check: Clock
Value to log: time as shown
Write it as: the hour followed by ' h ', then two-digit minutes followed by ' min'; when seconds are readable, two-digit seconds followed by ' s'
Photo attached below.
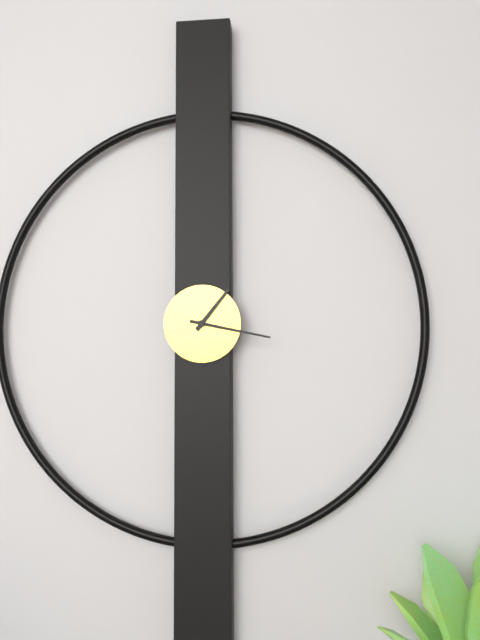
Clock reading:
1 h 17 min
